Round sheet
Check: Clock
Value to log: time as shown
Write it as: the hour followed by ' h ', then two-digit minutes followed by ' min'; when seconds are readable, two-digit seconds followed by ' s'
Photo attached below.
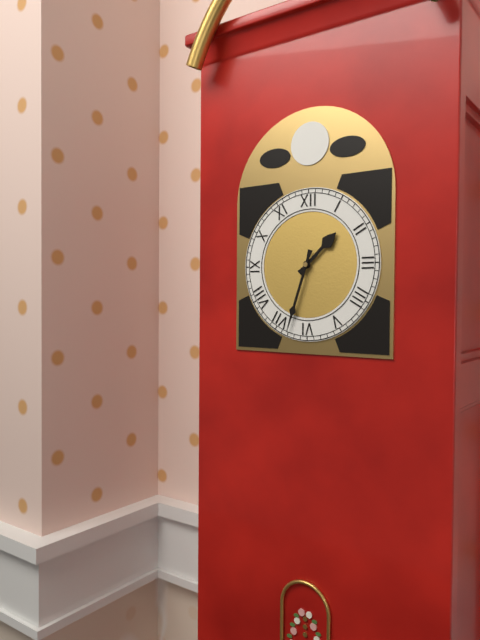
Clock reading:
1 h 33 min
